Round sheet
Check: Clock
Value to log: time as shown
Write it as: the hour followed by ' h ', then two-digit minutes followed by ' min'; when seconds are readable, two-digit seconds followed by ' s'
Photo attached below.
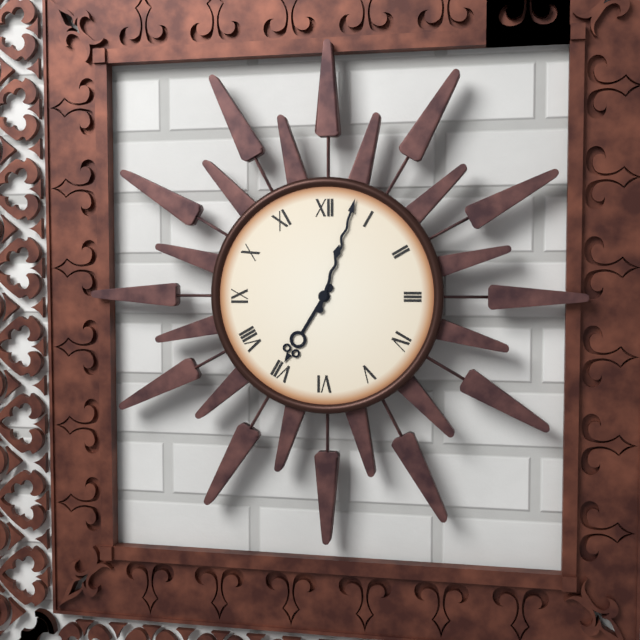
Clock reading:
7 h 03 min
